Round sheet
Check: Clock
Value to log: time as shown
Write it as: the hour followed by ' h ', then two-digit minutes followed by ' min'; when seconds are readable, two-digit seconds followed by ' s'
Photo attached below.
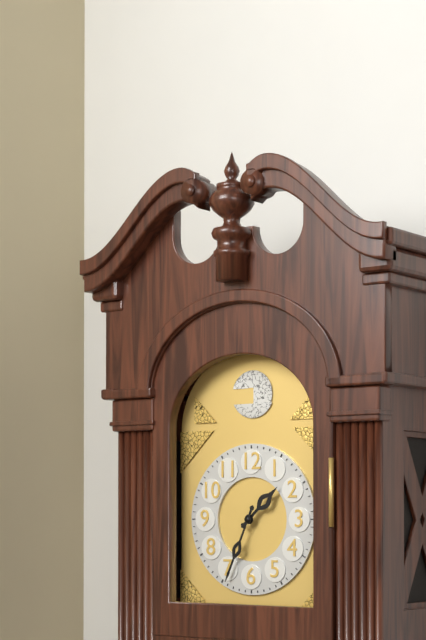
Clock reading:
1 h 34 min
